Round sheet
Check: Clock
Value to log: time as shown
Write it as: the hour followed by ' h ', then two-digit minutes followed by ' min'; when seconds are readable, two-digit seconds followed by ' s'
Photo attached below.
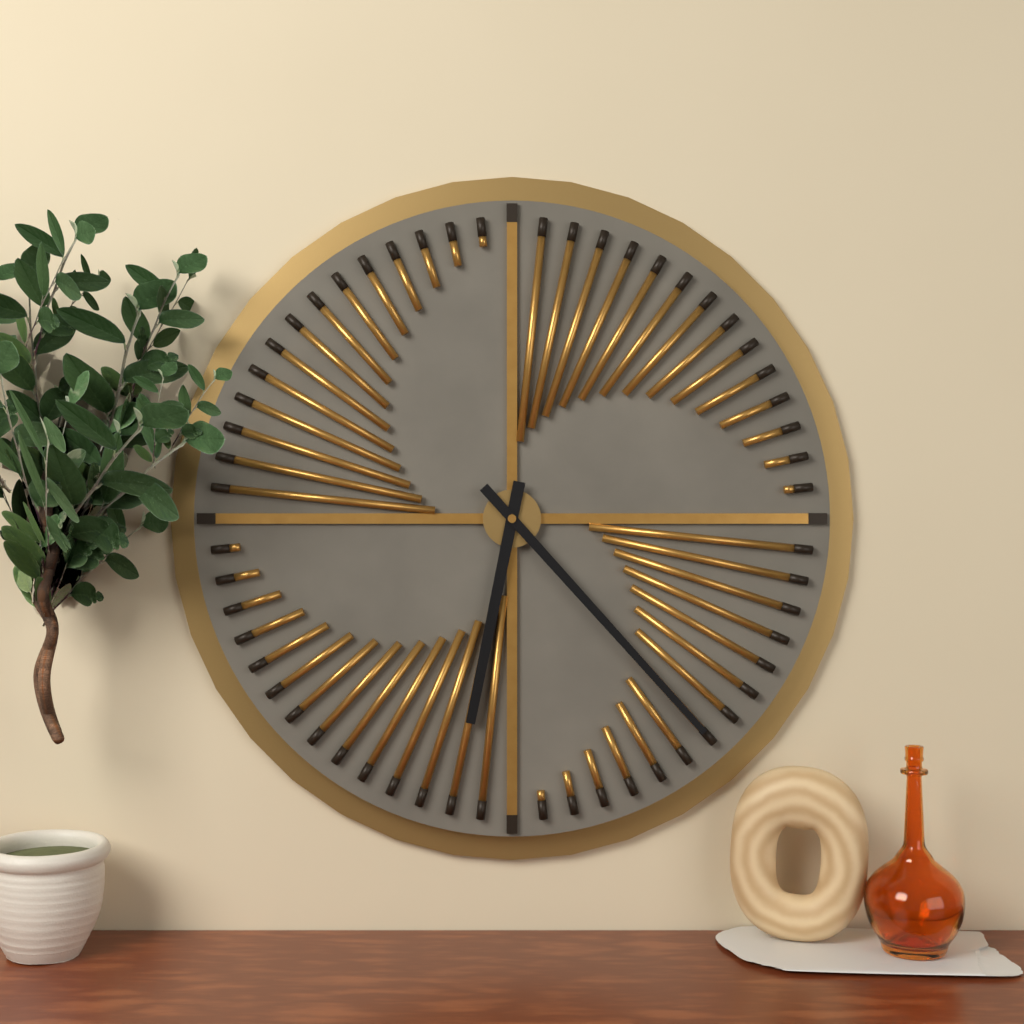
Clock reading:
6 h 23 min
